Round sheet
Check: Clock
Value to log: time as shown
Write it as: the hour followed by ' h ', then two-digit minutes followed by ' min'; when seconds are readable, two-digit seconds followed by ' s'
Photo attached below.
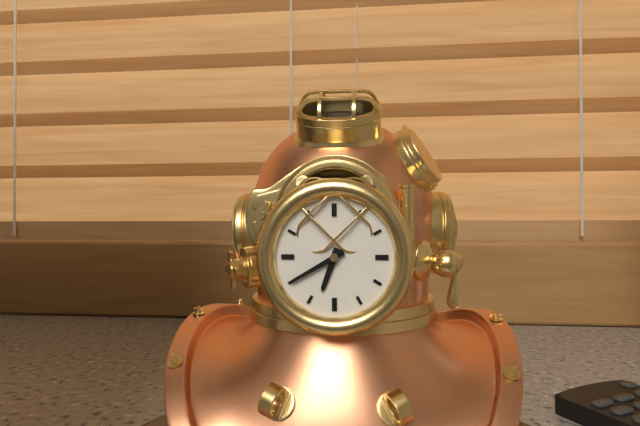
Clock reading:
6 h 40 min
